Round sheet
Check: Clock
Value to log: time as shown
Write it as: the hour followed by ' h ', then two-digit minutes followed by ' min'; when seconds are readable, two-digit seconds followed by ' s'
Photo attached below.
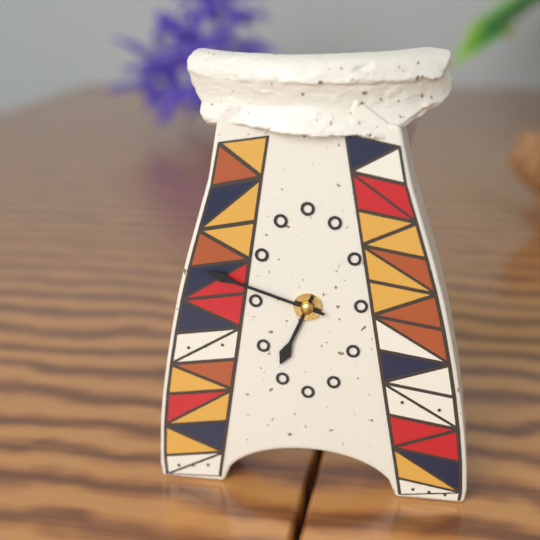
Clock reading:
6 h 48 min
